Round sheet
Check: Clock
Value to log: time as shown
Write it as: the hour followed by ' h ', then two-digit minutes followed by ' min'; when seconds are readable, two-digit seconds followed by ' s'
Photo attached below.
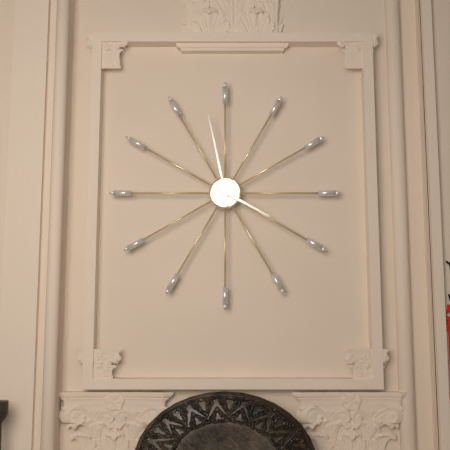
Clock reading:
3 h 58 min
